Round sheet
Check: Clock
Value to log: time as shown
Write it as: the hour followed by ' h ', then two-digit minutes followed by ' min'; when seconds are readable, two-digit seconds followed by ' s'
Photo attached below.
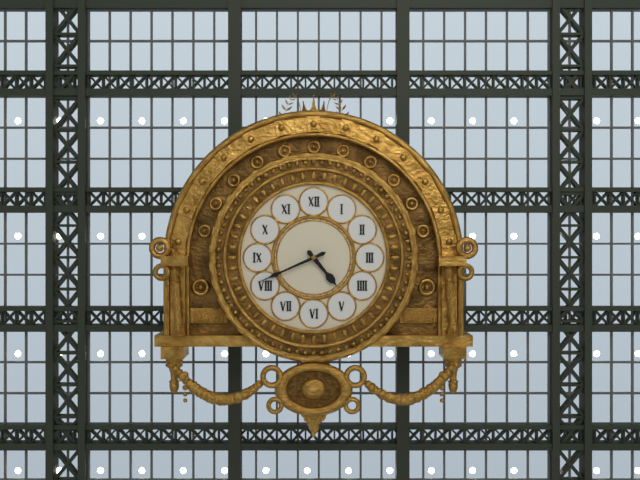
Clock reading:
4 h 41 min
